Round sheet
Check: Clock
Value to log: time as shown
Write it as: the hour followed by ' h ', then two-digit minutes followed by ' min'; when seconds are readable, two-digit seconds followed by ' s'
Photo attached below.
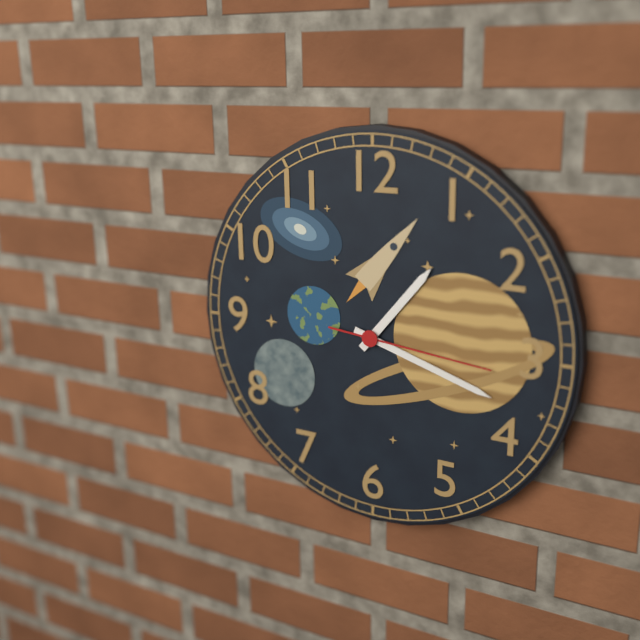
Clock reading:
1 h 18 min 16 s
